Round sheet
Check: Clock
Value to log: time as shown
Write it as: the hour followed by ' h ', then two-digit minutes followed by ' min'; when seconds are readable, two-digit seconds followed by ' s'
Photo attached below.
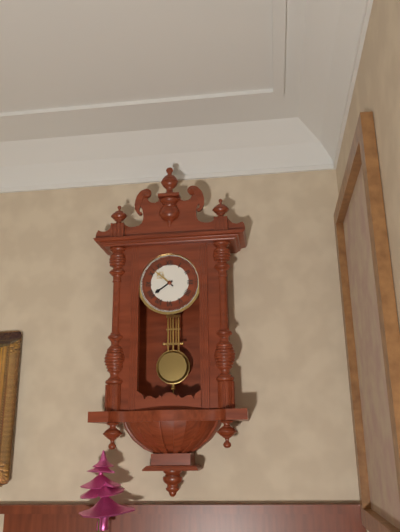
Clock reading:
7 h 52 min
